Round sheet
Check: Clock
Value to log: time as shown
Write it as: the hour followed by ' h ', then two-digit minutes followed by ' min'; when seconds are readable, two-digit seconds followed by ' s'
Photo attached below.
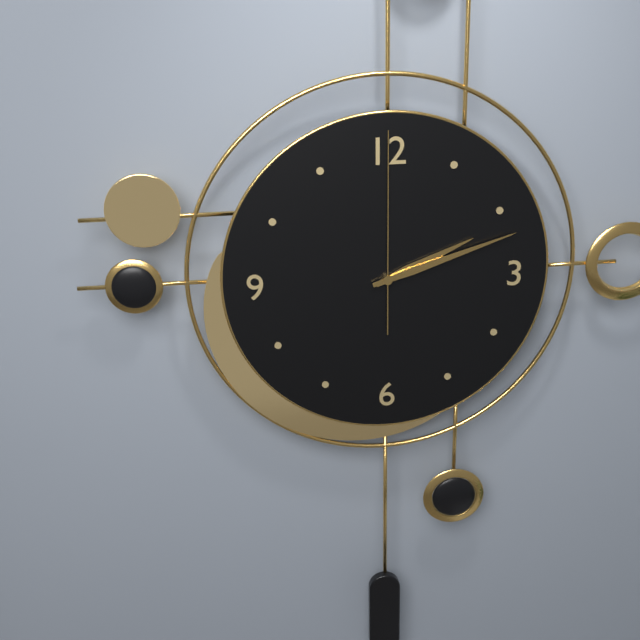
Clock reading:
2 h 12 min 00 s
